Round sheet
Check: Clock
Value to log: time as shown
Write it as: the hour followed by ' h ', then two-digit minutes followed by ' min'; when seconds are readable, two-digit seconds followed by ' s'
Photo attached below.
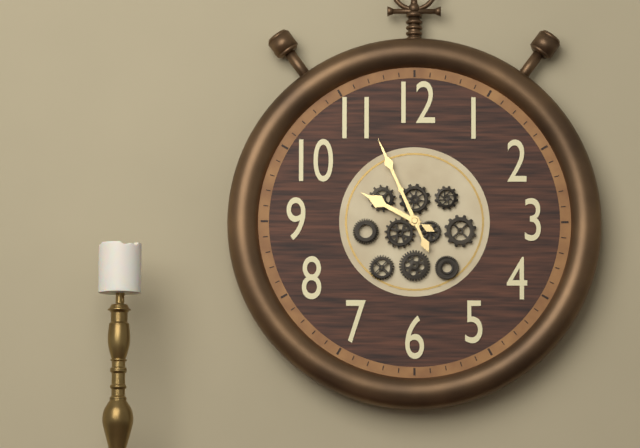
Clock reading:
9 h 56 min
